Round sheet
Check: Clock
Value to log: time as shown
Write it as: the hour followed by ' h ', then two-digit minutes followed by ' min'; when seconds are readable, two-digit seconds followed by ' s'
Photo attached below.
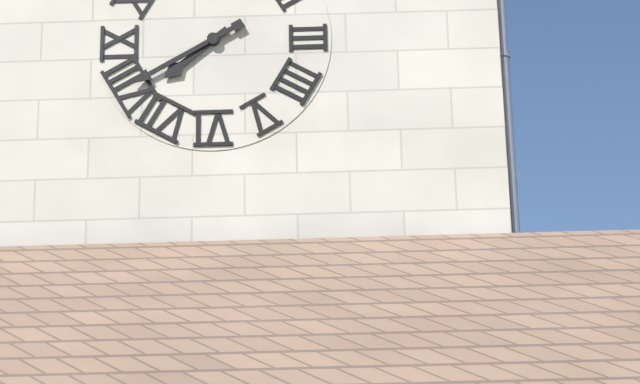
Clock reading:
7 h 40 min
